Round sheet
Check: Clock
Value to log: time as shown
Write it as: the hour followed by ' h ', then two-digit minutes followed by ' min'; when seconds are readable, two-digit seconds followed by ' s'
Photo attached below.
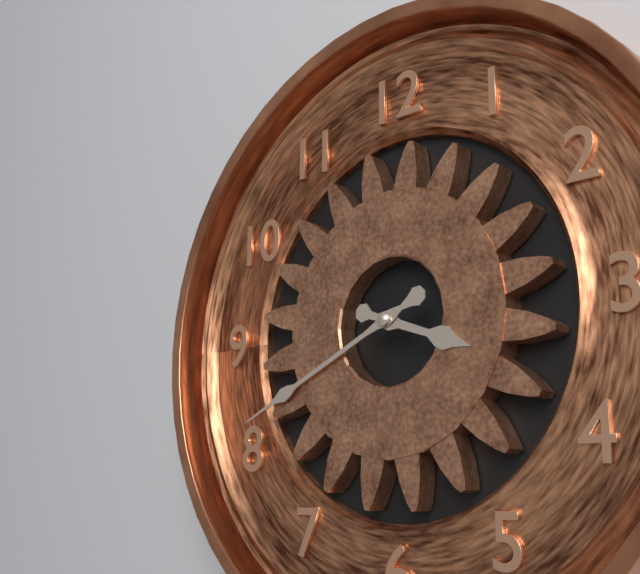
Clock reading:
3 h 41 min
